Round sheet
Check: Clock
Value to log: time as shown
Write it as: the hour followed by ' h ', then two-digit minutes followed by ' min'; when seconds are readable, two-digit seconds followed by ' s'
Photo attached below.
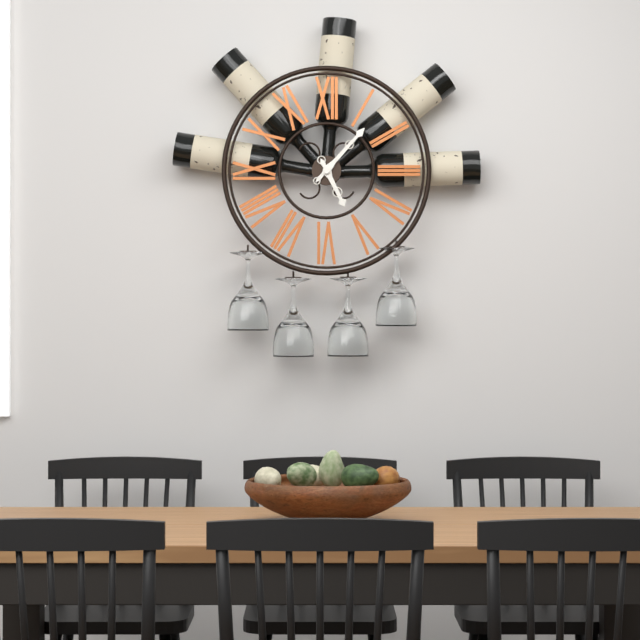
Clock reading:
5 h 07 min
